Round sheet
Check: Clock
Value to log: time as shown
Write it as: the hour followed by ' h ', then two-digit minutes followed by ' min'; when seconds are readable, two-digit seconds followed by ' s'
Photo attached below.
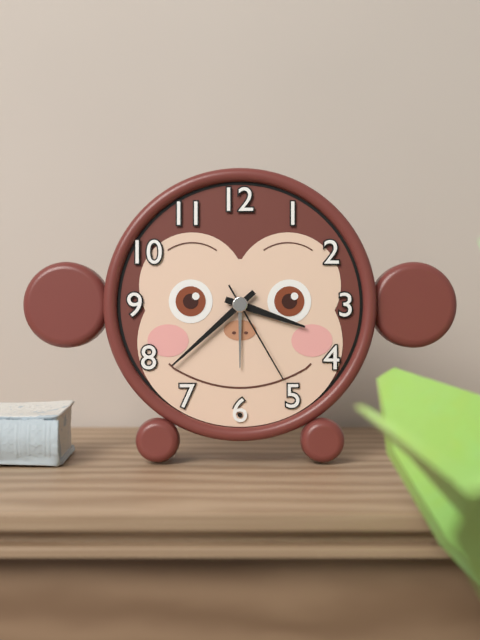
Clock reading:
3 h 38 min 25 s
